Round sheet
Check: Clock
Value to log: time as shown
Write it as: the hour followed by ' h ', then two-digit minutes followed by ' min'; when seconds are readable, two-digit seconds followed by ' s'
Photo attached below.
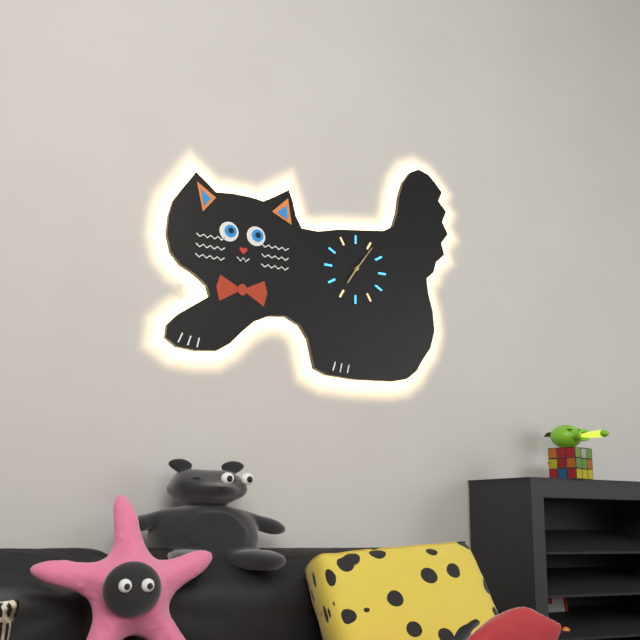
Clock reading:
7 h 06 min
